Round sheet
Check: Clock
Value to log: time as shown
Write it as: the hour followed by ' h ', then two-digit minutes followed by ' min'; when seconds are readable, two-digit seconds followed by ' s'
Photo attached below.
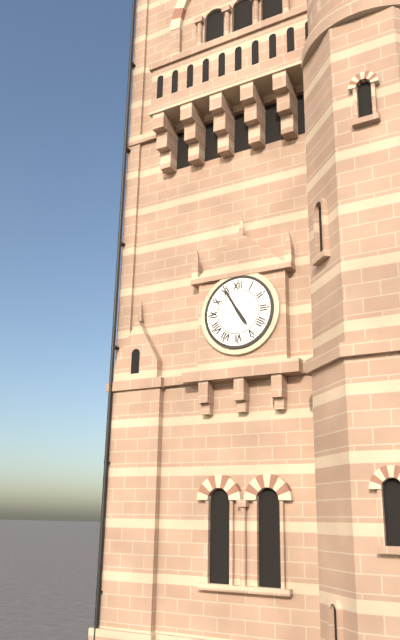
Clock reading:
4 h 55 min
